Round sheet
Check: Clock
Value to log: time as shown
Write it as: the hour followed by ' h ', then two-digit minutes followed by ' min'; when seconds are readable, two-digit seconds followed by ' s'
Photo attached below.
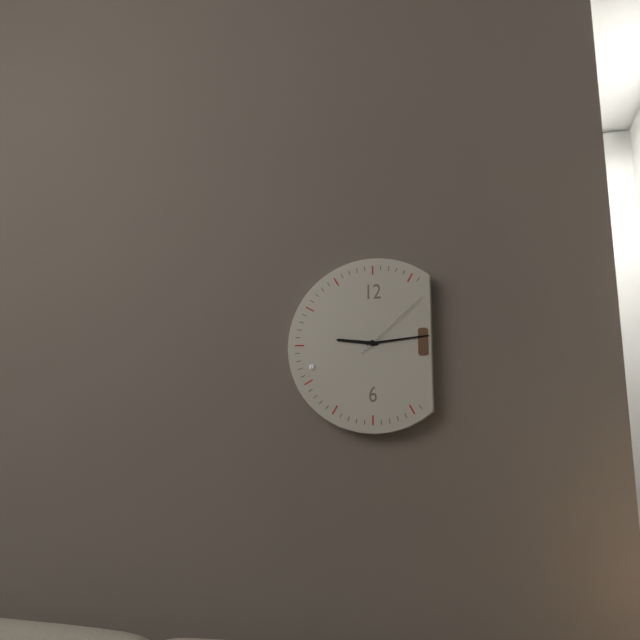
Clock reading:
9 h 14 min 08 s
